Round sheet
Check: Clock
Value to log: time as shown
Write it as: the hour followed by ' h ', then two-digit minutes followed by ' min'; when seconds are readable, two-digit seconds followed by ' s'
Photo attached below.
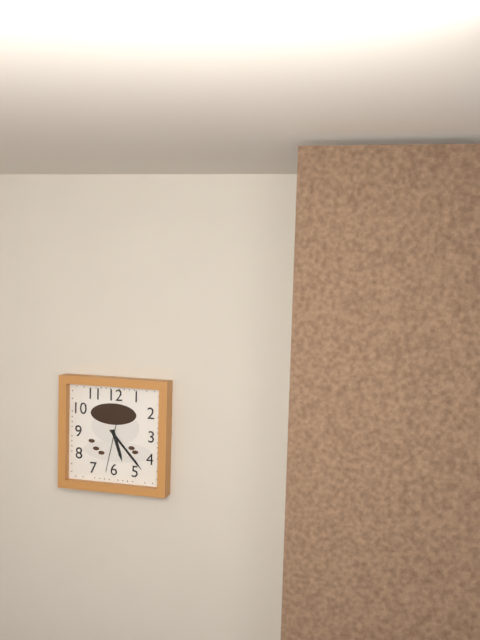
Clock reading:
5 h 23 min
